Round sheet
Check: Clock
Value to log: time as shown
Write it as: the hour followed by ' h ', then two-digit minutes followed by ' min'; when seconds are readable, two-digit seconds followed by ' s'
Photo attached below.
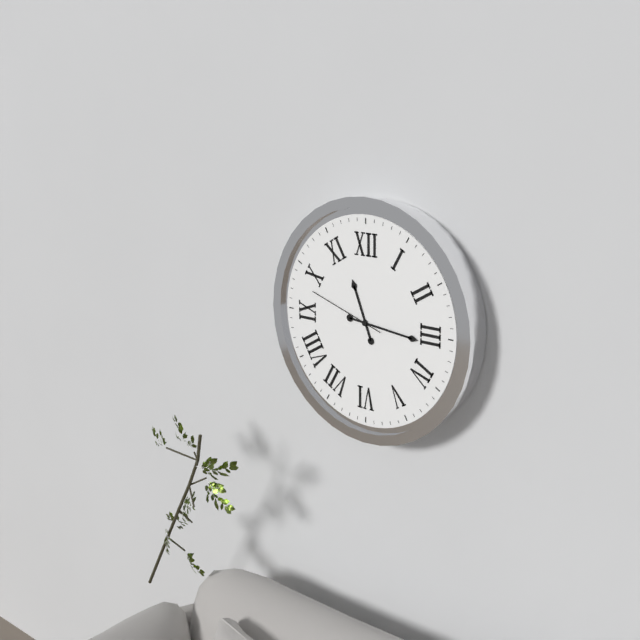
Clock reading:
11 h 16 min 48 s
